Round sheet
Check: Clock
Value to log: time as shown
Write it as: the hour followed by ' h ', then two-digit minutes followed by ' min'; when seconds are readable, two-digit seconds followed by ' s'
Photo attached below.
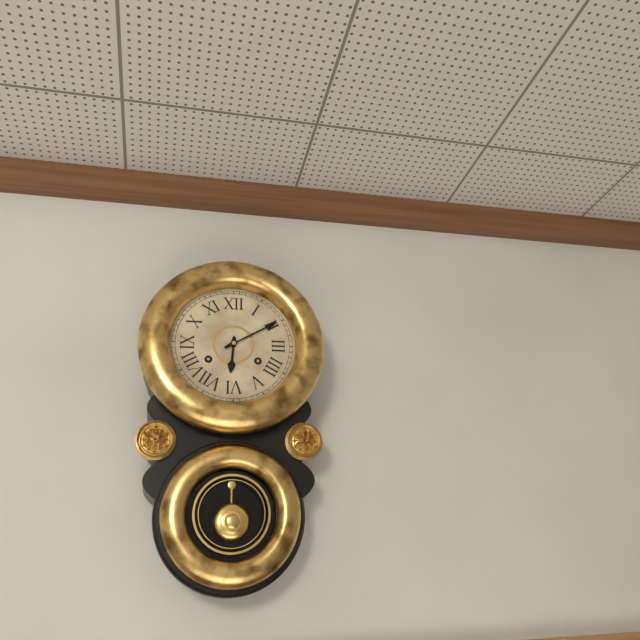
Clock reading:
6 h 10 min
